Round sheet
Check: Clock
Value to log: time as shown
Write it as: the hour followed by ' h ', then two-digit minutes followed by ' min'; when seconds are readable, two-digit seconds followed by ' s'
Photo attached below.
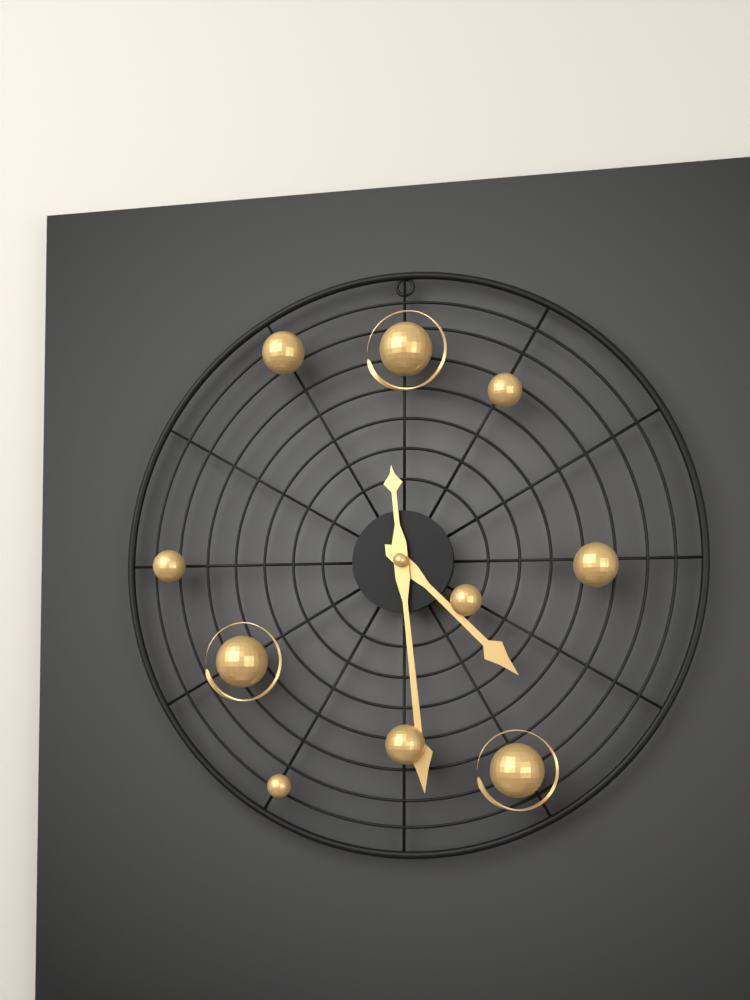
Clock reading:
4 h 29 min
